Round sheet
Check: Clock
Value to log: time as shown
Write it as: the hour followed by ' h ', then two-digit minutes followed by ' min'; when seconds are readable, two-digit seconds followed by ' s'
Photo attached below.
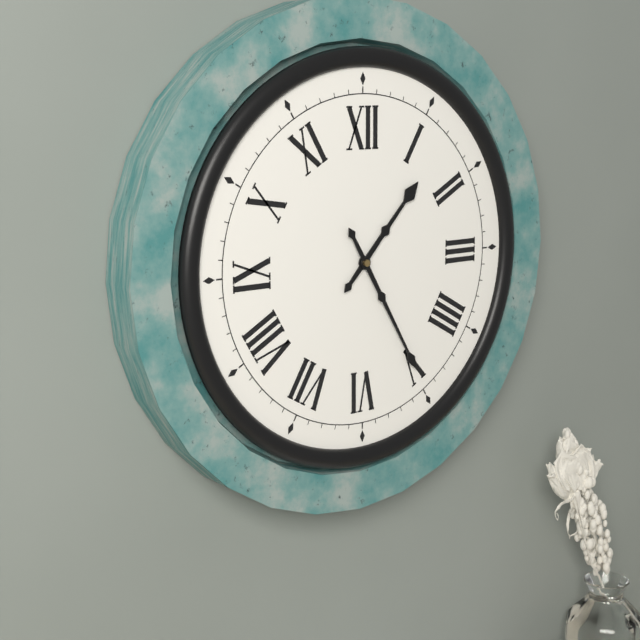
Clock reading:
1 h 25 min
